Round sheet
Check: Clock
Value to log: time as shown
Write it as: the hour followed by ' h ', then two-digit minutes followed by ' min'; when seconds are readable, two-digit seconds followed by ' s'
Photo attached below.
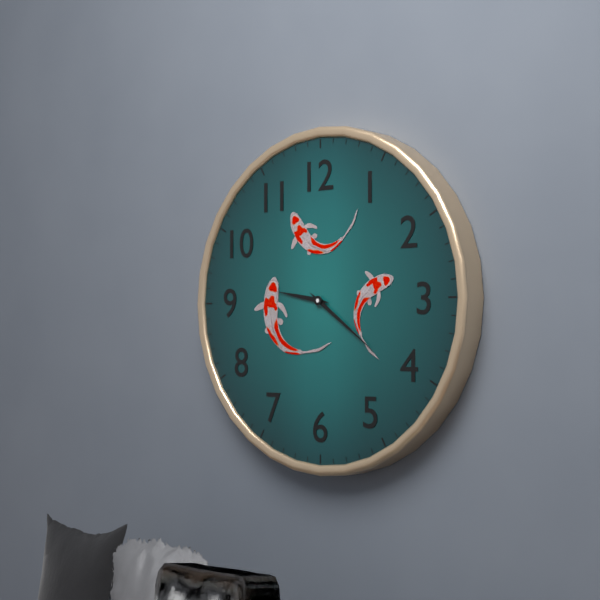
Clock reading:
9 h 21 min
